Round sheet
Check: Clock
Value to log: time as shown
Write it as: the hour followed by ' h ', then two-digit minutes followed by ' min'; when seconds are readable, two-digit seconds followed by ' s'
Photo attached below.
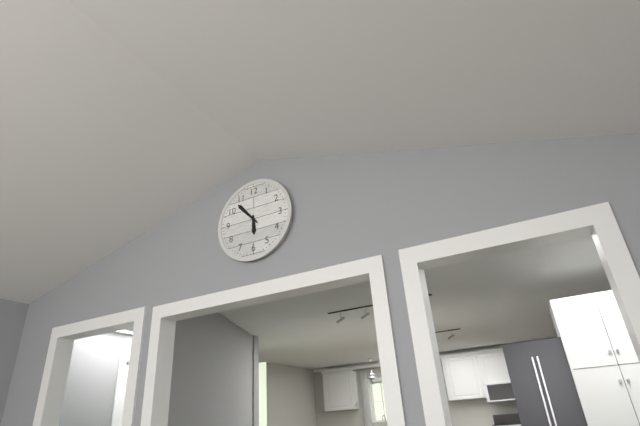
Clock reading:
5 h 53 min
